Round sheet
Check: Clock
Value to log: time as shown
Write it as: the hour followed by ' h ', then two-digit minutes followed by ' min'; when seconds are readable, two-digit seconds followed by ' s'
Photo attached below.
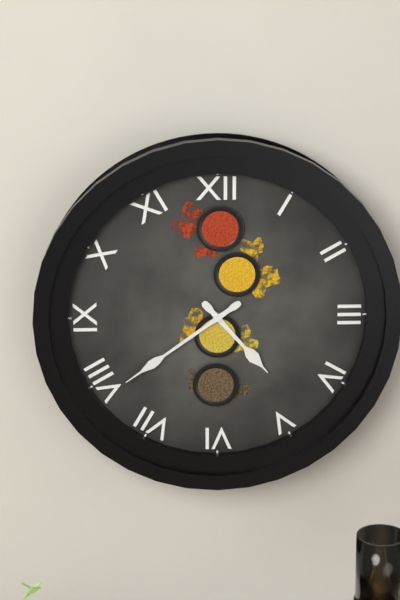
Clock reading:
4 h 39 min
